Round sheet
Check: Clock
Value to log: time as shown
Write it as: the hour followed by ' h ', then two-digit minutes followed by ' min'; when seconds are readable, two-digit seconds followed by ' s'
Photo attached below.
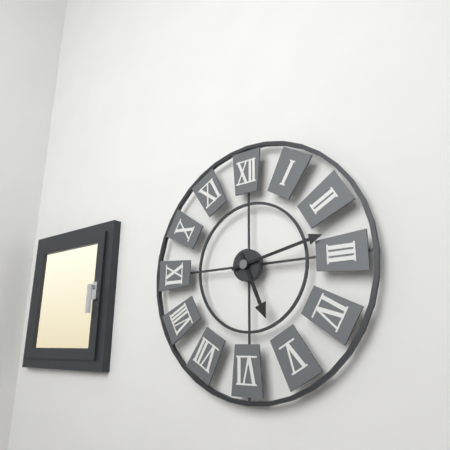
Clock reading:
5 h 13 min
